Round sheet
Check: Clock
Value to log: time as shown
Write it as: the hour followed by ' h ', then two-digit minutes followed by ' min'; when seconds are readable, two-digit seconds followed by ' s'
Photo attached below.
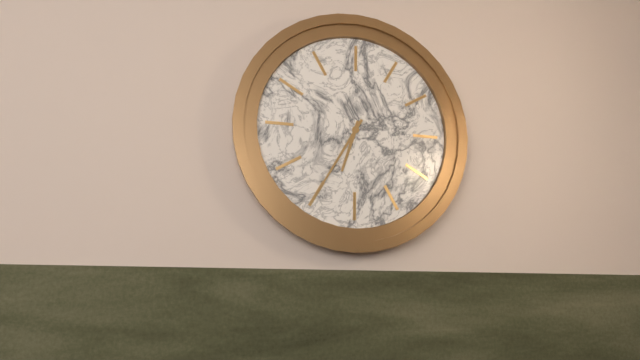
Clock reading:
6 h 35 min
